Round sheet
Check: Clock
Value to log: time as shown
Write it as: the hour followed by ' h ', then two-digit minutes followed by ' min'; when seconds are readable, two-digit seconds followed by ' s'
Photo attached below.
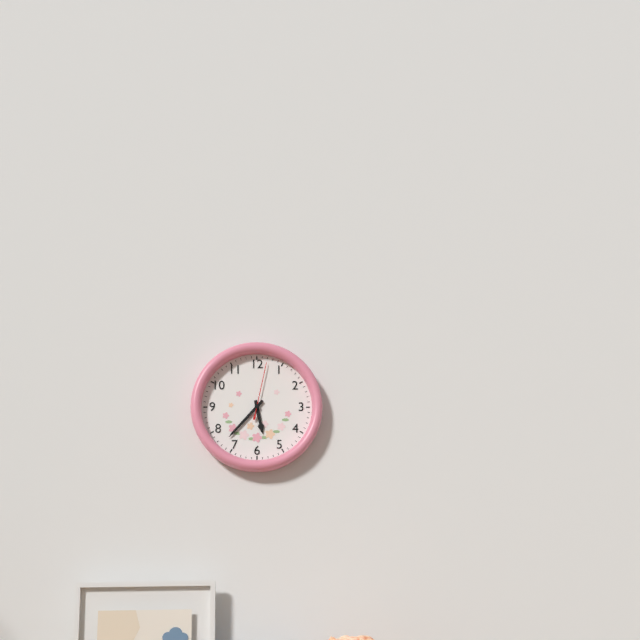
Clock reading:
5 h 37 min 02 s
